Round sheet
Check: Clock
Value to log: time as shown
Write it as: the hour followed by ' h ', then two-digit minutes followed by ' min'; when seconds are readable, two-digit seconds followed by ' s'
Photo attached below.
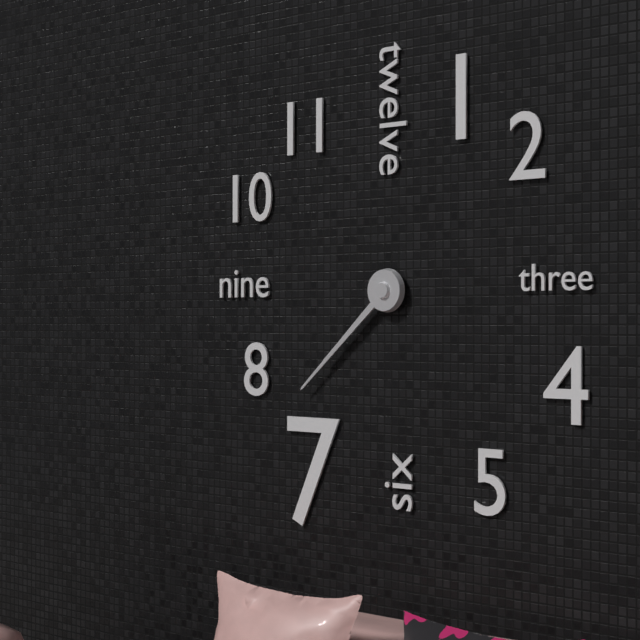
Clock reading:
7 h 38 min
